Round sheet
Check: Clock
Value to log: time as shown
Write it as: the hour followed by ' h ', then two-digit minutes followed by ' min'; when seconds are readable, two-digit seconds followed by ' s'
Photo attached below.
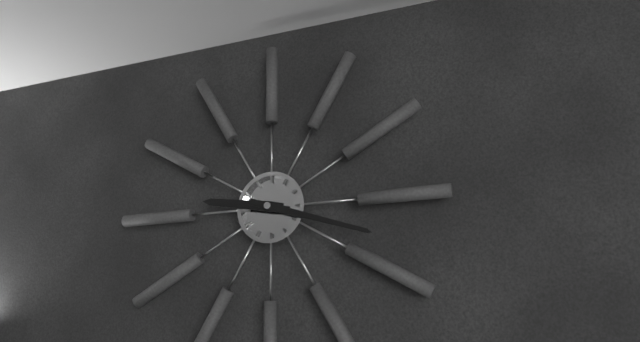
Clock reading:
9 h 18 min
